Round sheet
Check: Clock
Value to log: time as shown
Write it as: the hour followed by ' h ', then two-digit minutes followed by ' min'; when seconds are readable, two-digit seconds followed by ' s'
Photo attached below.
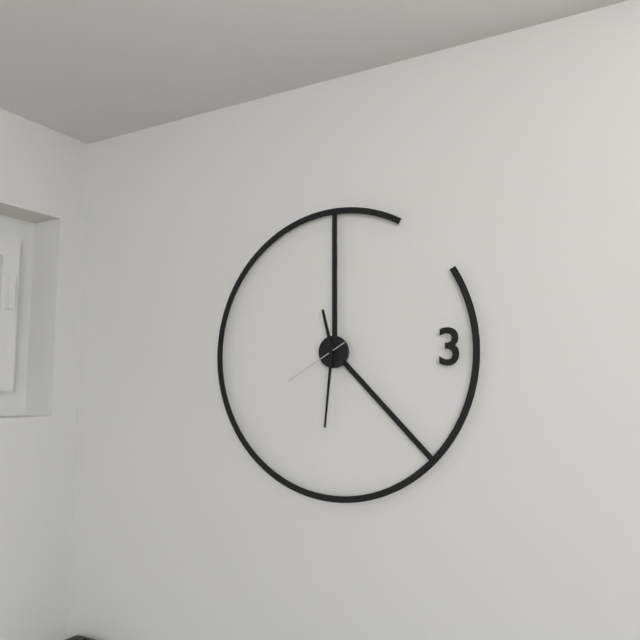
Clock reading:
11 h 31 min 40 s
